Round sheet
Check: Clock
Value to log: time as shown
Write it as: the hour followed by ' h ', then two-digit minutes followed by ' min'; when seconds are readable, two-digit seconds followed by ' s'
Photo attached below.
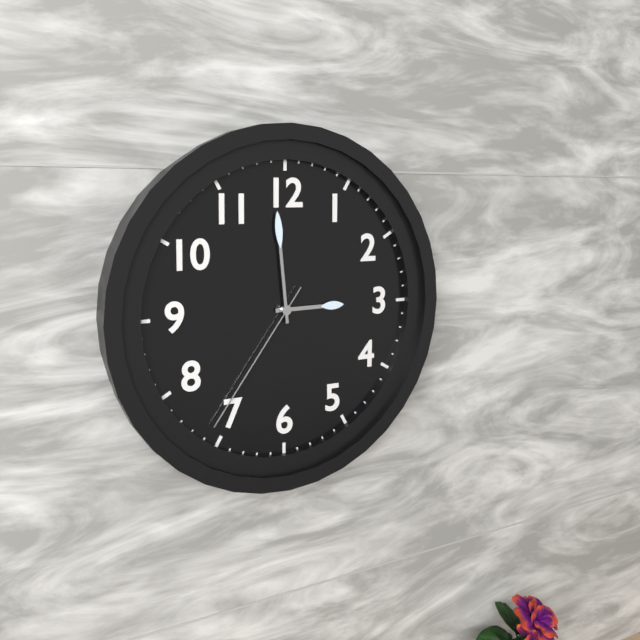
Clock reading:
2 h 59 min 36 s
